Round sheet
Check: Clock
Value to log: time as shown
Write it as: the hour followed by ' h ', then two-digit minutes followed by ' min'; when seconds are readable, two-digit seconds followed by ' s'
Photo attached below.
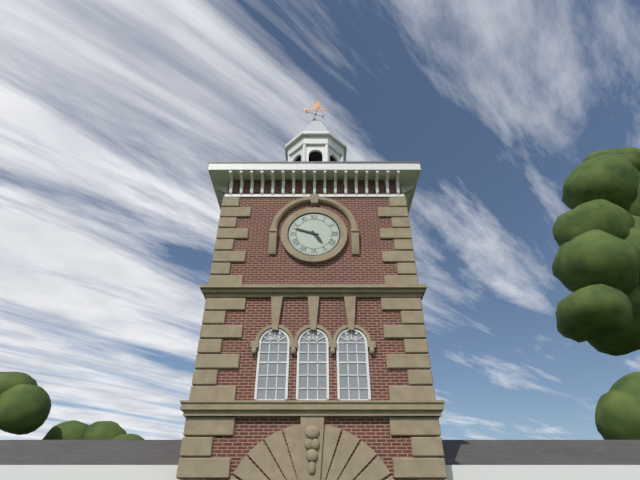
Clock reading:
4 h 48 min
